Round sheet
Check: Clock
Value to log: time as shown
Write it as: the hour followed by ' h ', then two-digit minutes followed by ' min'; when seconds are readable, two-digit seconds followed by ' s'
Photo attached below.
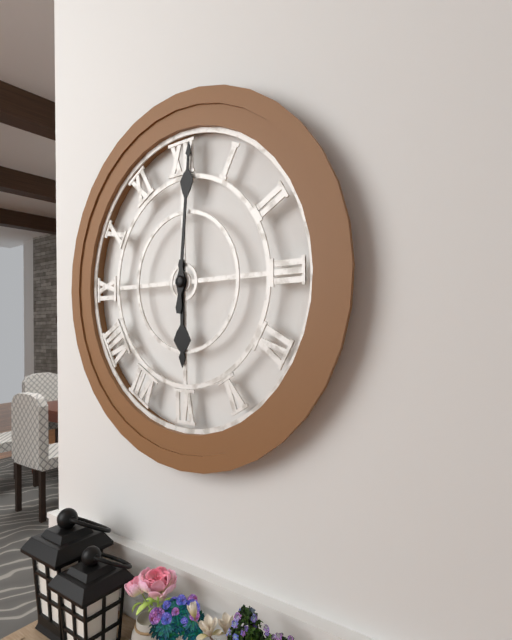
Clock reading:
6 h 01 min
